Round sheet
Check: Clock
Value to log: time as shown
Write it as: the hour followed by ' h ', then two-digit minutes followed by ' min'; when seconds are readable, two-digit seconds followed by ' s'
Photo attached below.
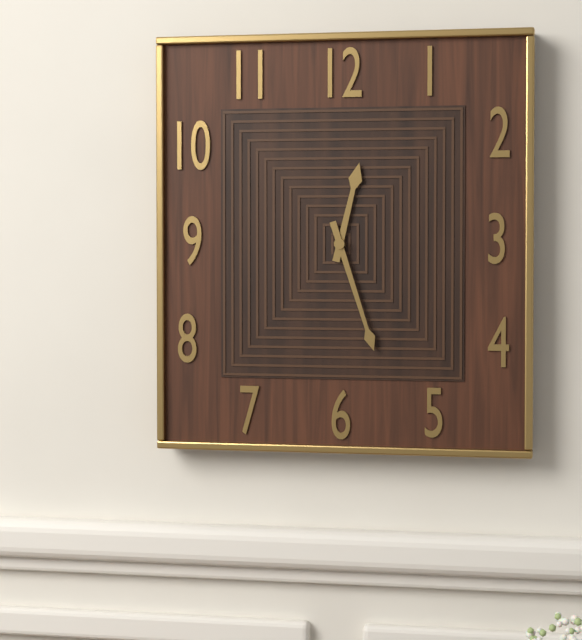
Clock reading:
12 h 27 min
